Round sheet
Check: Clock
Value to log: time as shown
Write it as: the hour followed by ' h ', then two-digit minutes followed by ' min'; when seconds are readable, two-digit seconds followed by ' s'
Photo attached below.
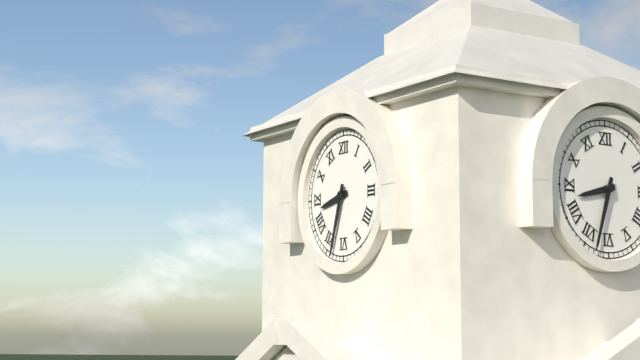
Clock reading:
8 h 33 min
